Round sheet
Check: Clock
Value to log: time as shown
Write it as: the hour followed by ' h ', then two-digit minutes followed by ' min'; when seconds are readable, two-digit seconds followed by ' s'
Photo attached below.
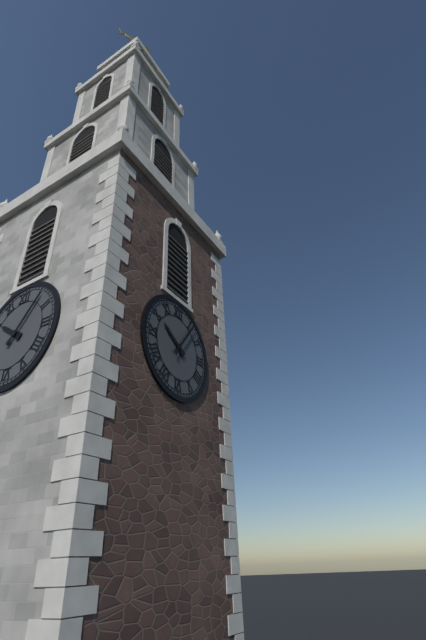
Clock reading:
10 h 06 min
